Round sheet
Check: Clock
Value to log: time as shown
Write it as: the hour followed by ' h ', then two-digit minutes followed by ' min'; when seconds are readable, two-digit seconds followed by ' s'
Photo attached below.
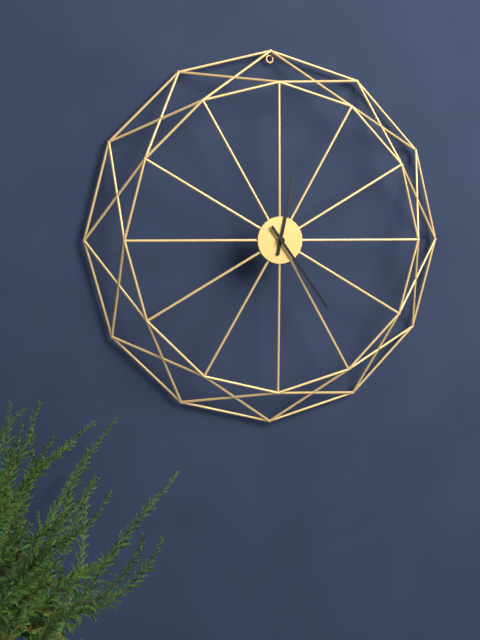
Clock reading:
12 h 24 min
